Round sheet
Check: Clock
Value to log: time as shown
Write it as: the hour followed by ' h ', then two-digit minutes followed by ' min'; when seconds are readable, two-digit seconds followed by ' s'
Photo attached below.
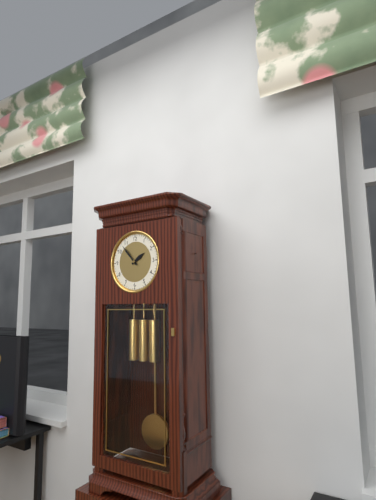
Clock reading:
1 h 53 min
